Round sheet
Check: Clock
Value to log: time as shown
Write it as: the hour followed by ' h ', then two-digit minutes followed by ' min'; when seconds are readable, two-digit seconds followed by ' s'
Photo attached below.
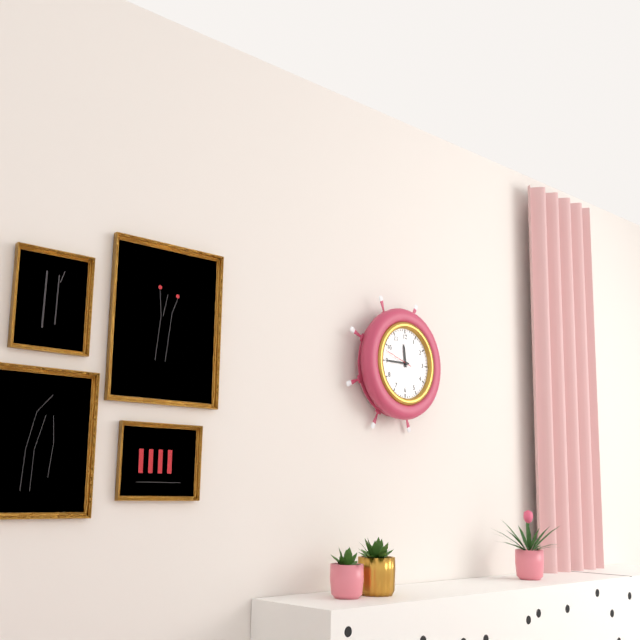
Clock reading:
11 h 45 min
